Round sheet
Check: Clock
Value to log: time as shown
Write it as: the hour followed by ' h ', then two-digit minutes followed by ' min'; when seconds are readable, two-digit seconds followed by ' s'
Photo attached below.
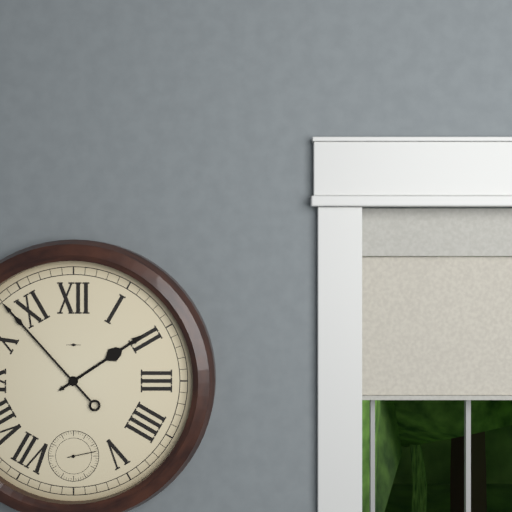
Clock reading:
1 h 53 min
